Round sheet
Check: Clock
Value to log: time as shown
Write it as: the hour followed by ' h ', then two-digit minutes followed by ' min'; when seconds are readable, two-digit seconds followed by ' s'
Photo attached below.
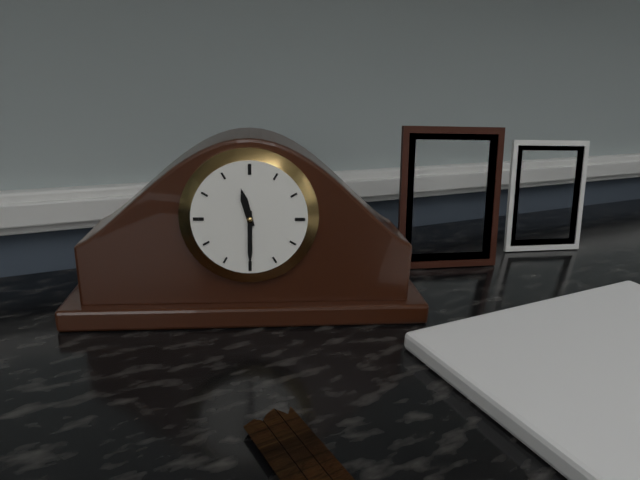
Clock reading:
11 h 30 min
